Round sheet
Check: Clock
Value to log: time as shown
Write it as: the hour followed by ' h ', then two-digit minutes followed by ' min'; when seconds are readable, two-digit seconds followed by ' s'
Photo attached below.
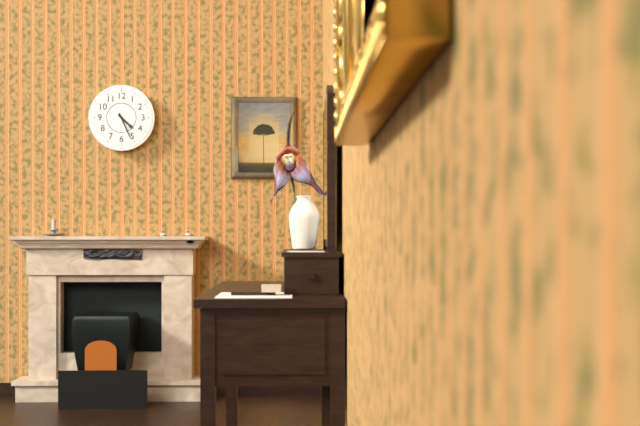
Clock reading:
4 h 26 min
